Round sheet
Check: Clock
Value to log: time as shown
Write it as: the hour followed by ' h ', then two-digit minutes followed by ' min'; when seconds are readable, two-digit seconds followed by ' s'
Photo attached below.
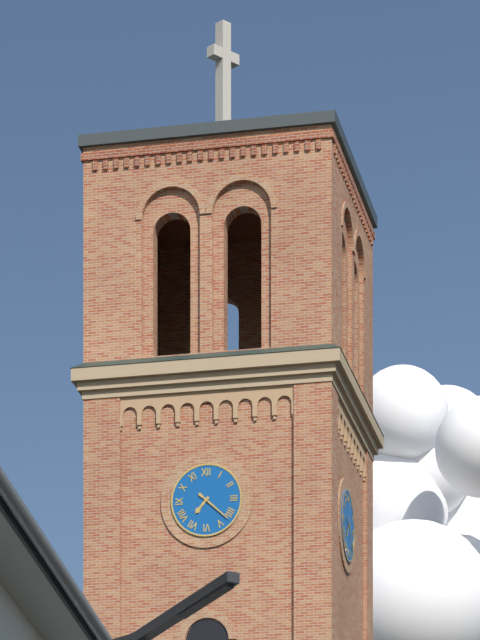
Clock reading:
7 h 22 min
